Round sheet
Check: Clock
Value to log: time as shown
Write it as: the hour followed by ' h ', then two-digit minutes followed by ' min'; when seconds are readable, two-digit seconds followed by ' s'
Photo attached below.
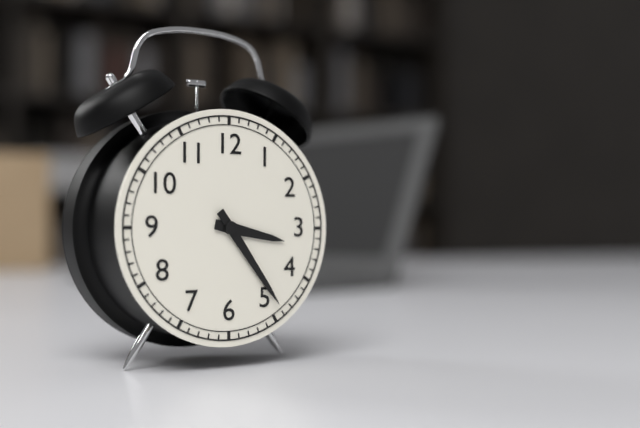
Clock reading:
3 h 24 min
